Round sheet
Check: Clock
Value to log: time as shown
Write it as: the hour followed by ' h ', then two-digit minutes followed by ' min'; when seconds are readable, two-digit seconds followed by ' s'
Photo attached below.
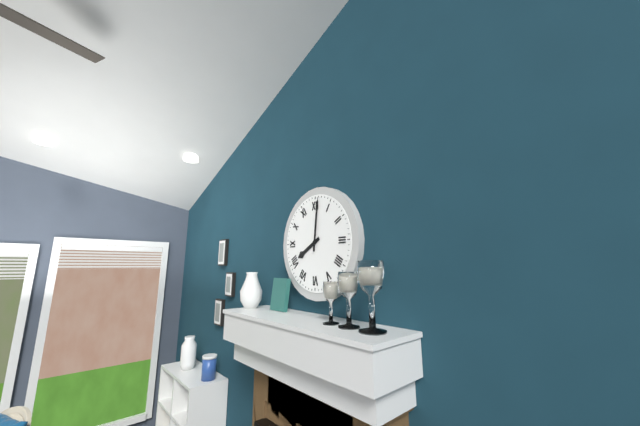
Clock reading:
8 h 01 min
